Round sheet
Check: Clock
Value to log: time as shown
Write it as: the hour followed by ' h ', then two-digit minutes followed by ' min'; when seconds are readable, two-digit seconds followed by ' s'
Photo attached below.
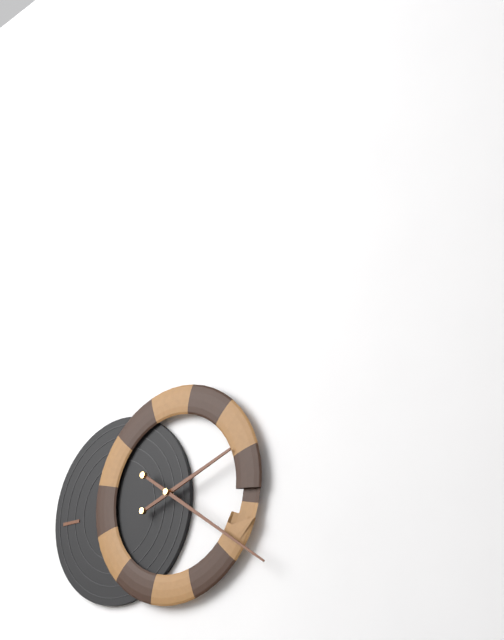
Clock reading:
2 h 21 min
